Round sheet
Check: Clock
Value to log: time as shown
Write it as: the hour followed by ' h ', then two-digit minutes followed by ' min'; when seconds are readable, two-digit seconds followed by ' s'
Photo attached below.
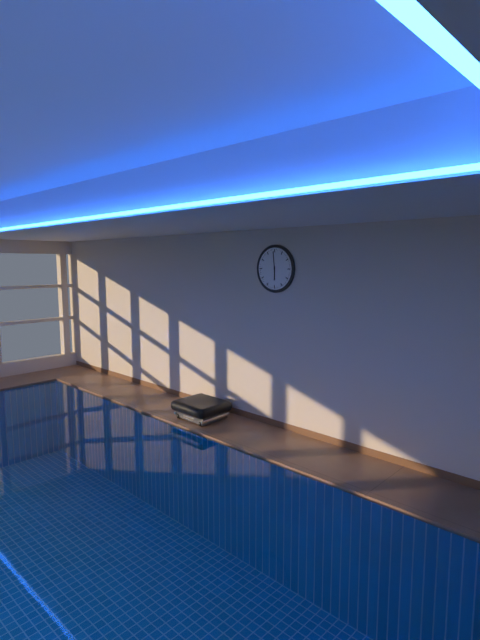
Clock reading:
5 h 59 min
